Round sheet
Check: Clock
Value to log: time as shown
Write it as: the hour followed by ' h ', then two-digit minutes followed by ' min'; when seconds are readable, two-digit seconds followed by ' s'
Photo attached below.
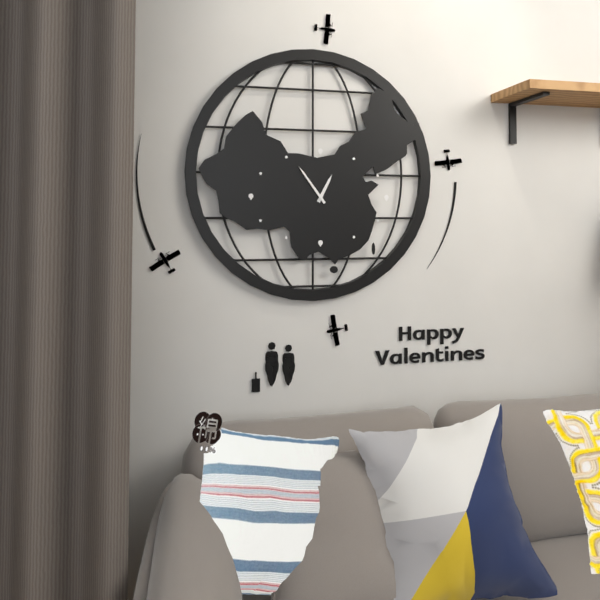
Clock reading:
12 h 54 min
